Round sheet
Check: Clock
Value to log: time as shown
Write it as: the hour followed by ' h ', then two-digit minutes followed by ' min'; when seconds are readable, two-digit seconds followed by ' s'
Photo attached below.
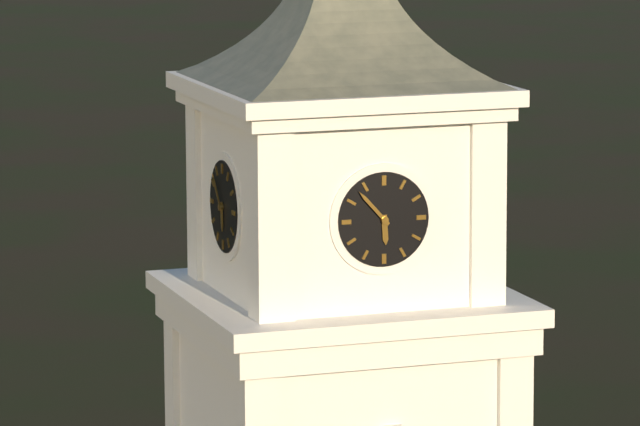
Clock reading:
5 h 53 min
